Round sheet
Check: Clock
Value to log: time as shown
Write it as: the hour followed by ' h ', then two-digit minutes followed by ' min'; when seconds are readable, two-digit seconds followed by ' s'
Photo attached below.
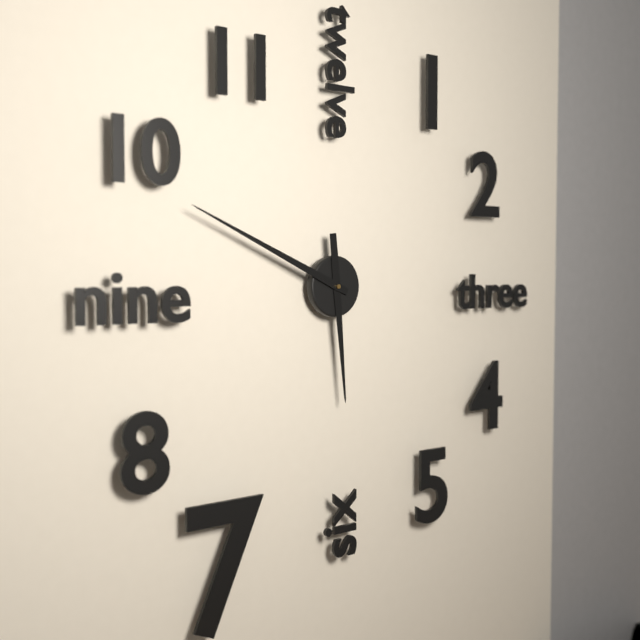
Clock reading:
5 h 49 min
